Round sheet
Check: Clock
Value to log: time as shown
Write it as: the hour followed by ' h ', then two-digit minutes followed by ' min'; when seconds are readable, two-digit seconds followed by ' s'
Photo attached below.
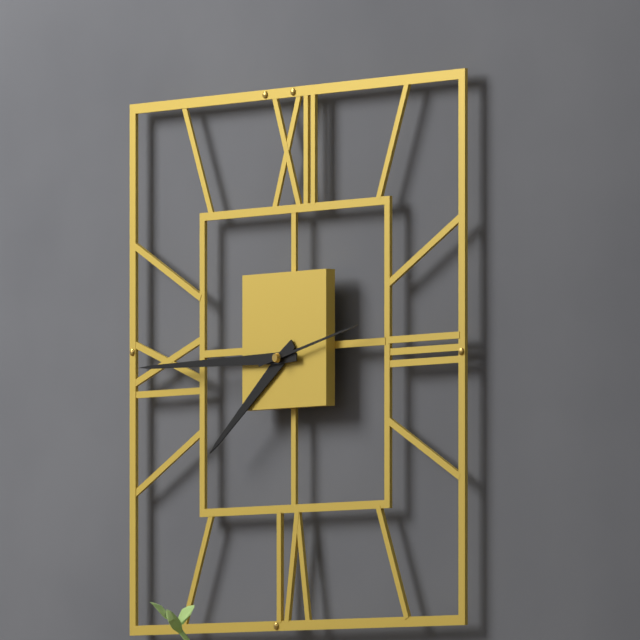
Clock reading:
7 h 45 min 13 s
